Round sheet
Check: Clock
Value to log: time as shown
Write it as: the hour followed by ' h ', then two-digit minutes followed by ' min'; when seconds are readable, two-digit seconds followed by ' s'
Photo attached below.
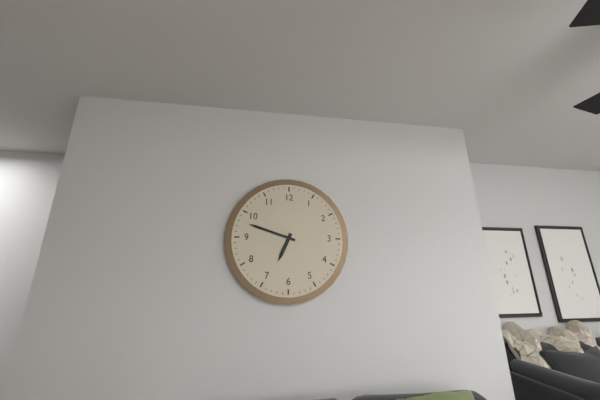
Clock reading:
6 h 48 min
